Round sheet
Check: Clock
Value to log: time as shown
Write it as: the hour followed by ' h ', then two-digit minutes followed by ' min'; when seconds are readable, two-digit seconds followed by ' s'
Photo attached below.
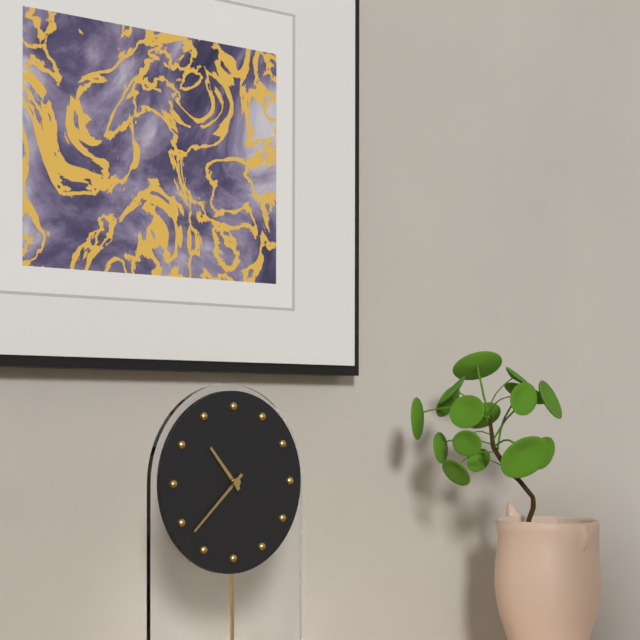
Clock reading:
10 h 38 min
